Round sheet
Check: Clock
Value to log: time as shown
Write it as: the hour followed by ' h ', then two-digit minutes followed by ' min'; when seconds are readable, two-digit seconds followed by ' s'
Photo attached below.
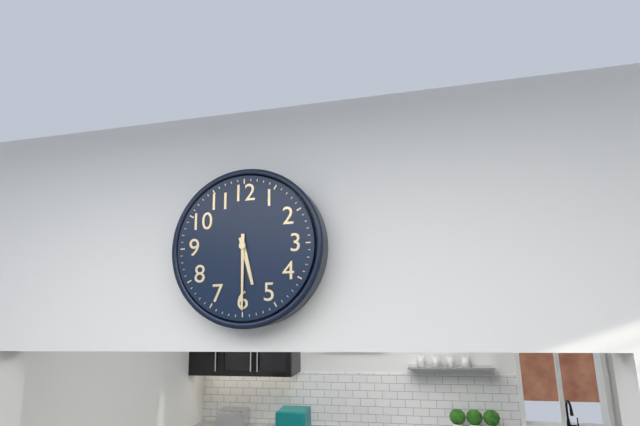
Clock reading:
5 h 30 min
